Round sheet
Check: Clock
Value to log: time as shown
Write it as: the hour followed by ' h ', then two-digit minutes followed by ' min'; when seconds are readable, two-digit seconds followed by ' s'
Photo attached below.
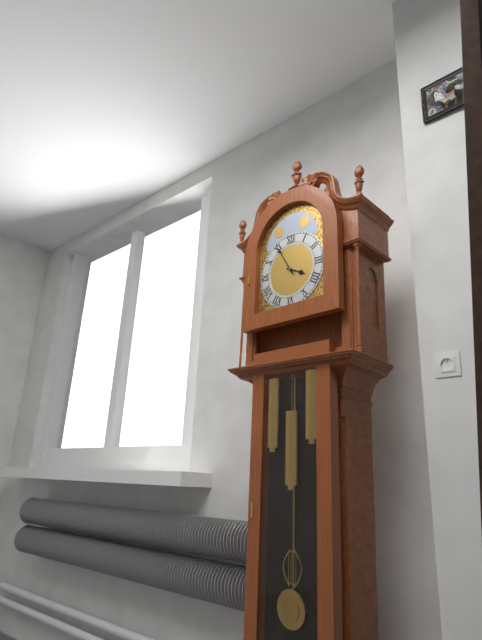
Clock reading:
3 h 55 min
